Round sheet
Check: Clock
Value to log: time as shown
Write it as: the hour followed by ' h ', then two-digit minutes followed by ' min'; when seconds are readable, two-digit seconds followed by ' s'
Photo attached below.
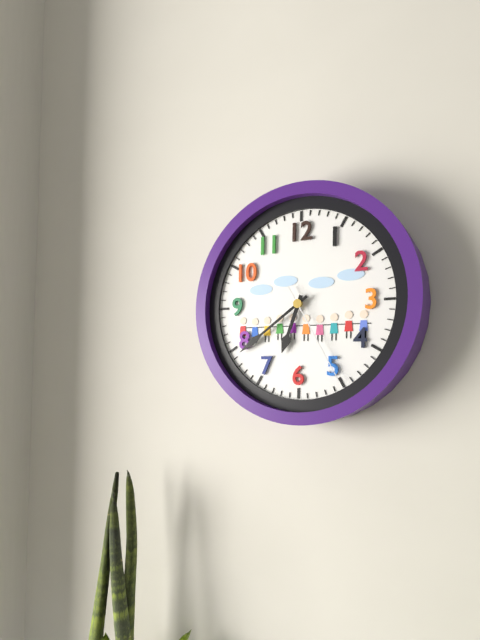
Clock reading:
6 h 39 min 25 s
